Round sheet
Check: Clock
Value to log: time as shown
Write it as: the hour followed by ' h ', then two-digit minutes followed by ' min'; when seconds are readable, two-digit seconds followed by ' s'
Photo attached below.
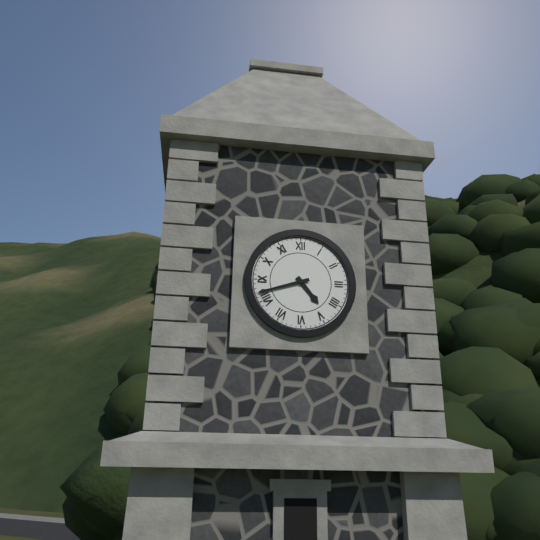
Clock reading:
4 h 42 min
